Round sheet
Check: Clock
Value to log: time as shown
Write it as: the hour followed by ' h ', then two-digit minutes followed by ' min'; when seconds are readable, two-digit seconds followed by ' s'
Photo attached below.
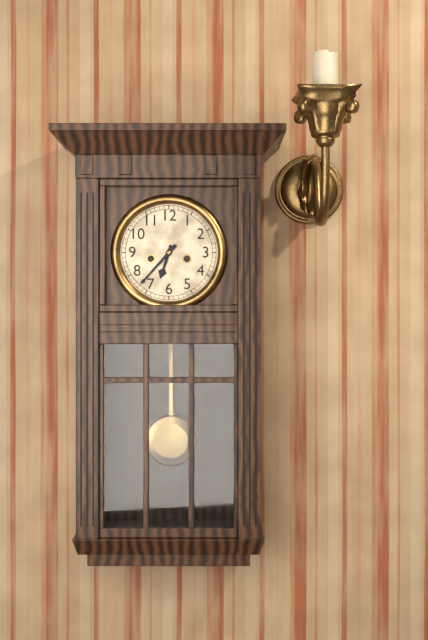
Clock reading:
6 h 37 min
